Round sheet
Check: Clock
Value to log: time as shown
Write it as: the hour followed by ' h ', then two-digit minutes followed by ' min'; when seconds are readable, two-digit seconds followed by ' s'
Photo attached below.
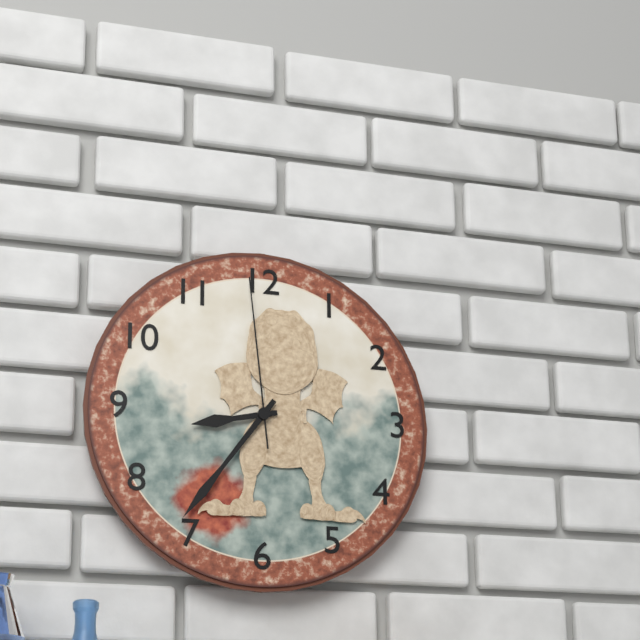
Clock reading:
8 h 36 min 59 s
